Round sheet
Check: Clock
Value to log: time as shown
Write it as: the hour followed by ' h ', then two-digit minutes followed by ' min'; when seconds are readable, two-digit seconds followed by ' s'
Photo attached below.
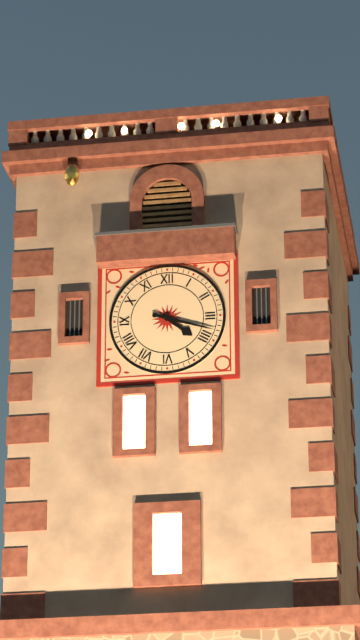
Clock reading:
4 h 18 min
